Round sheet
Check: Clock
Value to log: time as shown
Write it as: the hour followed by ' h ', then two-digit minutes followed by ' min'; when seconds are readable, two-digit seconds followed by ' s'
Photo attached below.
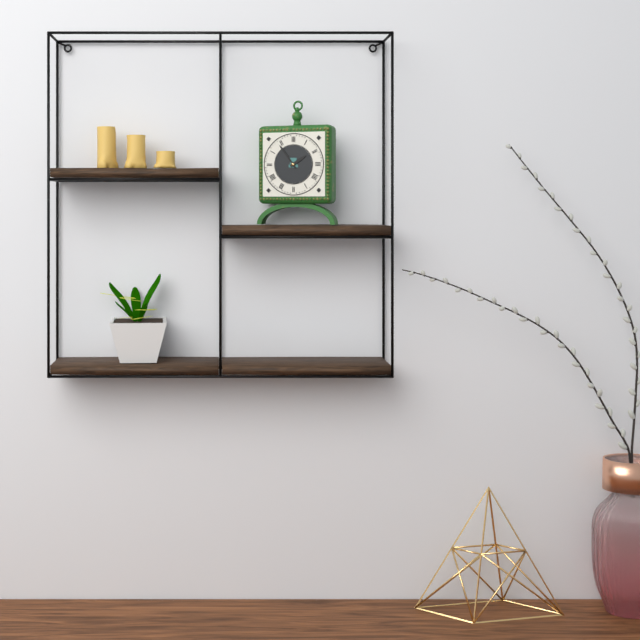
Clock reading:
1 h 54 min
